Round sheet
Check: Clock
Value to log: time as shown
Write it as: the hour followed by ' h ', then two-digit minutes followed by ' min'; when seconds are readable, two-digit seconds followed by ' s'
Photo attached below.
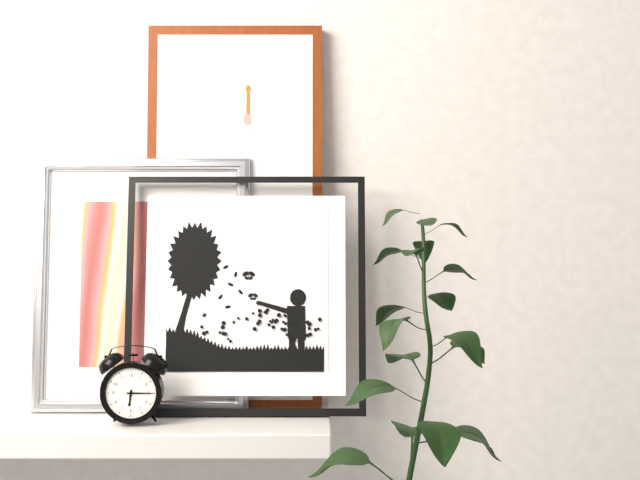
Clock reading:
6 h 15 min
